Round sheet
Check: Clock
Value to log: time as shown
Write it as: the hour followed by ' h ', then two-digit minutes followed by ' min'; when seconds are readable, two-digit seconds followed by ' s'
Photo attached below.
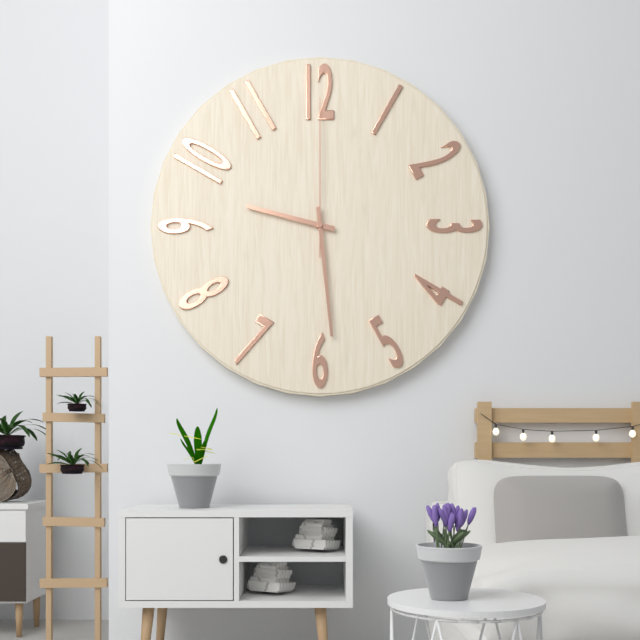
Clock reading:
9 h 29 min 00 s
